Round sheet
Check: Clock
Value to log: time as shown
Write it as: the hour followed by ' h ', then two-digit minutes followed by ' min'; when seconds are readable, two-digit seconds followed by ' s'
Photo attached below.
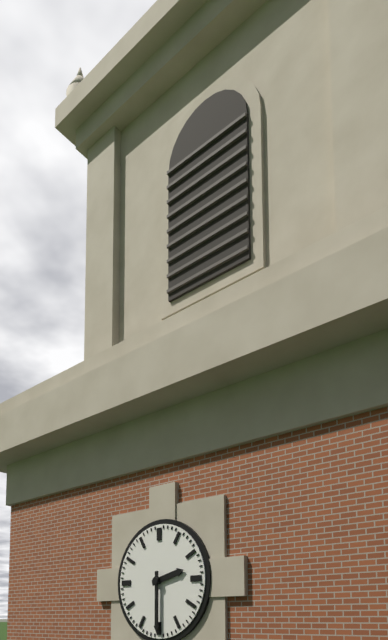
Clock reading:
2 h 30 min
